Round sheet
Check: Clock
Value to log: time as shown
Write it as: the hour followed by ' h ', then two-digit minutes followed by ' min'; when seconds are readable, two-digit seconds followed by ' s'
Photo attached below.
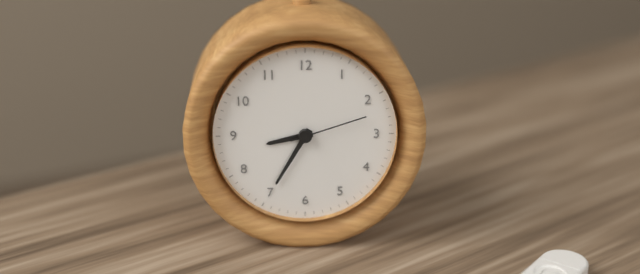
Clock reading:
8 h 35 min 12 s
